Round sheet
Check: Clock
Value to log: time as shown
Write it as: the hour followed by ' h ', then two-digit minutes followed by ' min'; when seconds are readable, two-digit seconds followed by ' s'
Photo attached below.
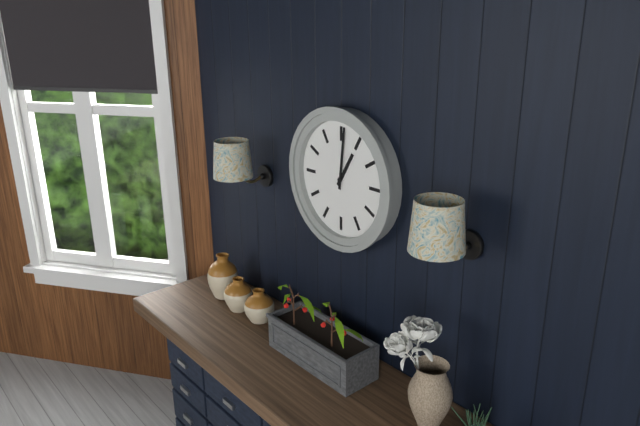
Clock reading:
1 h 01 min
